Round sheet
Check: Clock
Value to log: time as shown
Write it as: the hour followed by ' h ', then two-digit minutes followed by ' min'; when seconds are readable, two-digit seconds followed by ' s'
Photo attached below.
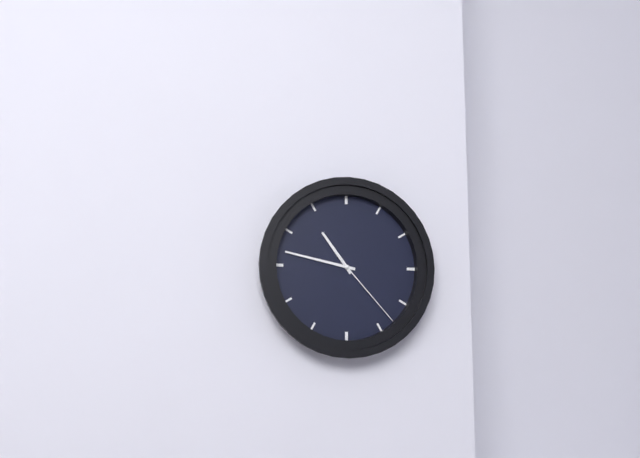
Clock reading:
10 h 47 min 23 s
